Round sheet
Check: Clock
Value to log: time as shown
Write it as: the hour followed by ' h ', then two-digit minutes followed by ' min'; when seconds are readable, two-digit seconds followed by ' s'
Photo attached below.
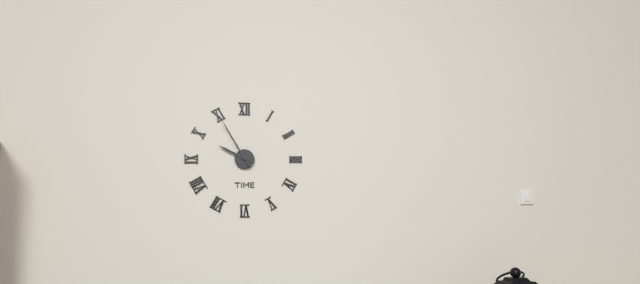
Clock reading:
9 h 55 min
